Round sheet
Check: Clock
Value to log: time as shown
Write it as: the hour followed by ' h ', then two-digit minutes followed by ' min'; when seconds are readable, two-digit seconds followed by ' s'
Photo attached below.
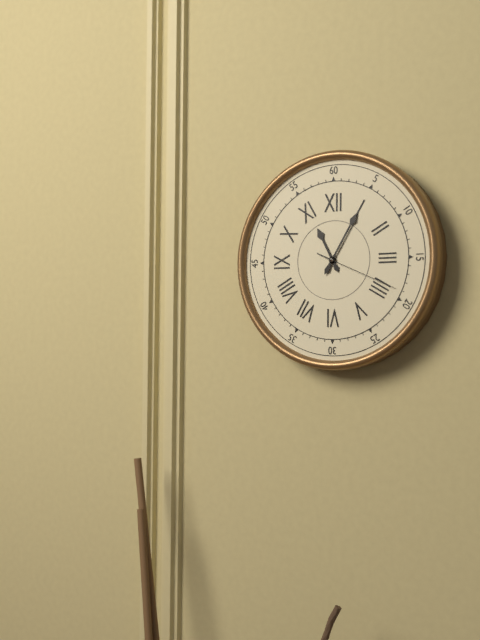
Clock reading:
11 h 05 min 19 s
